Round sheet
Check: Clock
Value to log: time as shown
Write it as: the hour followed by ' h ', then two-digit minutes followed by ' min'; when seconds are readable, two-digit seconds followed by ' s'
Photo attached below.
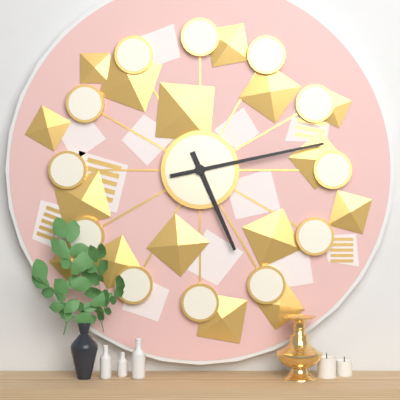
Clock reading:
5 h 13 min
